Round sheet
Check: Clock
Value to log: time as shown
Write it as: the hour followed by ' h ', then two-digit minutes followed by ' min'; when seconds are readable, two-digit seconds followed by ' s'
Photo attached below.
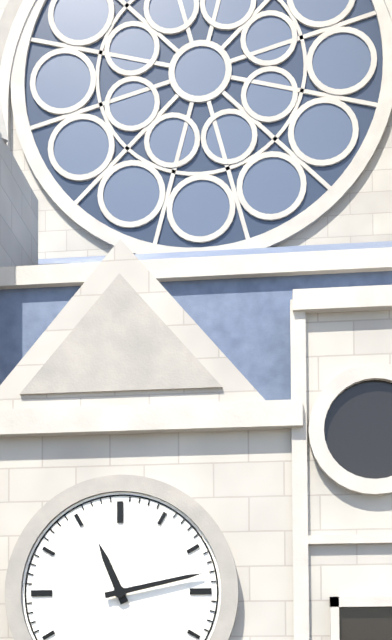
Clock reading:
11 h 13 min
